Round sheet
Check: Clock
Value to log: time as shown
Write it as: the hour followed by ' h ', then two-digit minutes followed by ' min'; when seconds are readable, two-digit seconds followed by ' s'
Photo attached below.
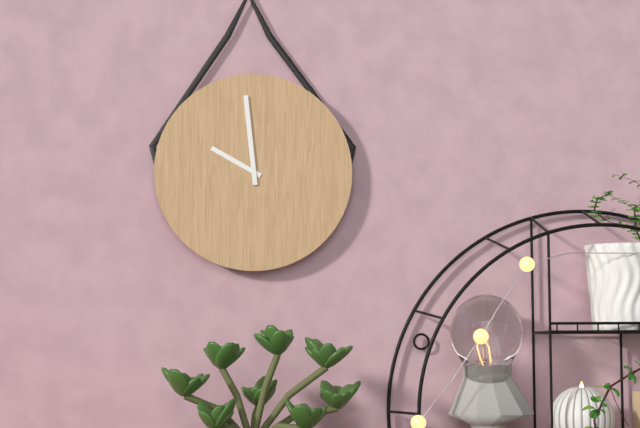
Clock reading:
9 h 59 min
